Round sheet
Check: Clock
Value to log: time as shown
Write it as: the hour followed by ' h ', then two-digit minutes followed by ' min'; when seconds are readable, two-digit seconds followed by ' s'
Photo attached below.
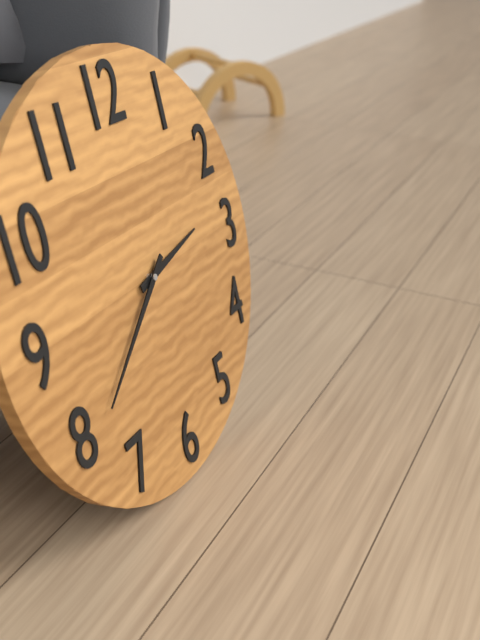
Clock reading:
2 h 39 min
